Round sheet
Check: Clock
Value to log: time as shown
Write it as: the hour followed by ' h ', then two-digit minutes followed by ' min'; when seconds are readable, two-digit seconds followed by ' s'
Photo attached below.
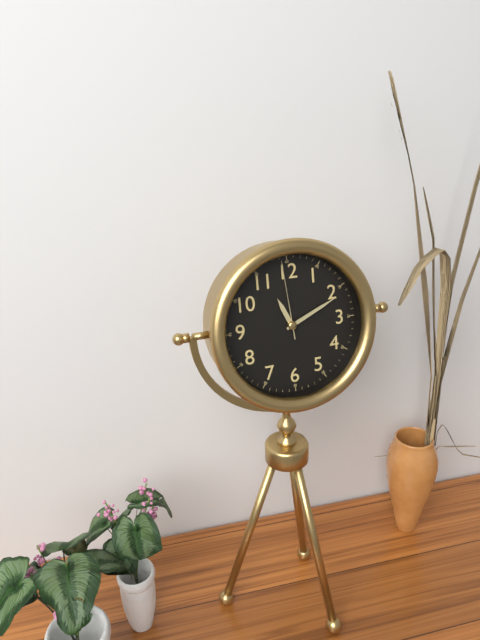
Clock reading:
11 h 11 min 59 s
